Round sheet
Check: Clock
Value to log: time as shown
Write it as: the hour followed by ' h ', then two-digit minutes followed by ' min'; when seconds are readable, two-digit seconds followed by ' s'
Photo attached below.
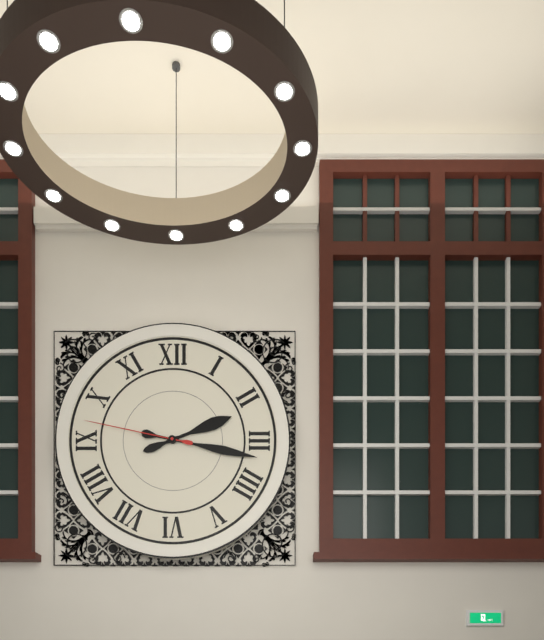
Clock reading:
2 h 17 min 47 s
